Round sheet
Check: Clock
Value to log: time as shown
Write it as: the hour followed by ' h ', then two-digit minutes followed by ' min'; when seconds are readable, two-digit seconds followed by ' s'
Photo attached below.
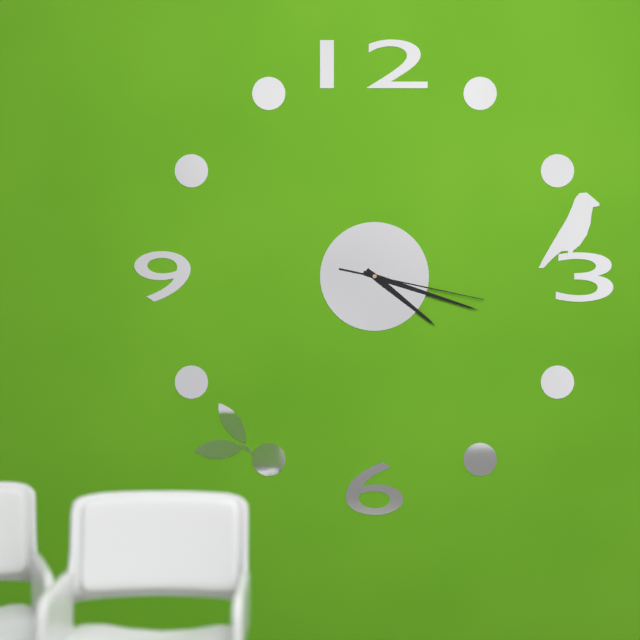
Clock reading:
4 h 18 min 17 s
